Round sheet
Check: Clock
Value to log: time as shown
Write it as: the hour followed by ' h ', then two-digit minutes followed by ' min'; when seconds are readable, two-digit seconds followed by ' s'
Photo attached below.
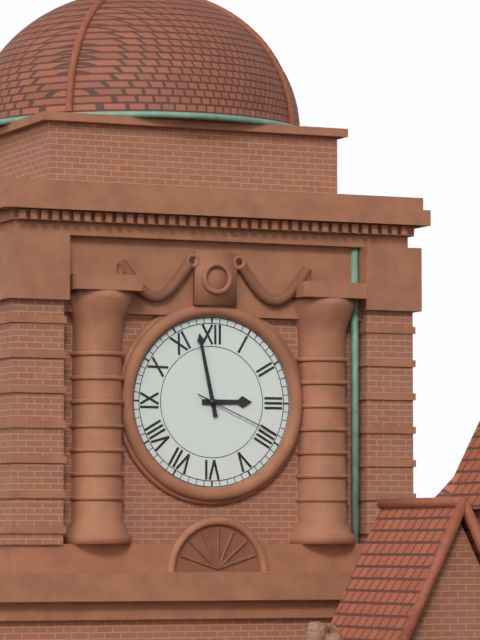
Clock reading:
2 h 58 min 19 s
